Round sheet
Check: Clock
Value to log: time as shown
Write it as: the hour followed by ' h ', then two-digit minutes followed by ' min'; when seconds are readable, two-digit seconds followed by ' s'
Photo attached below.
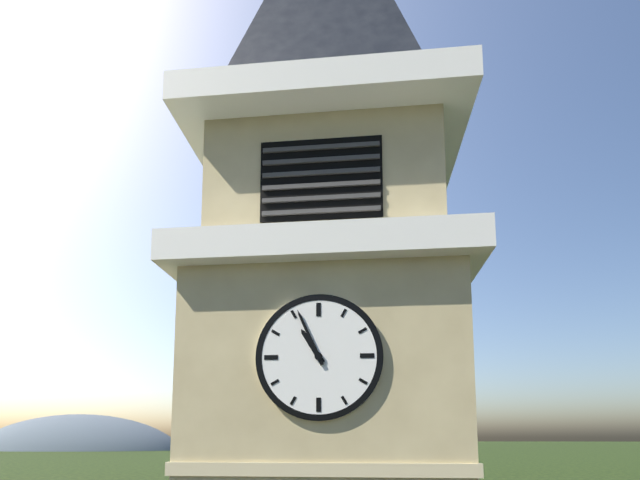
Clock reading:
10 h 56 min
